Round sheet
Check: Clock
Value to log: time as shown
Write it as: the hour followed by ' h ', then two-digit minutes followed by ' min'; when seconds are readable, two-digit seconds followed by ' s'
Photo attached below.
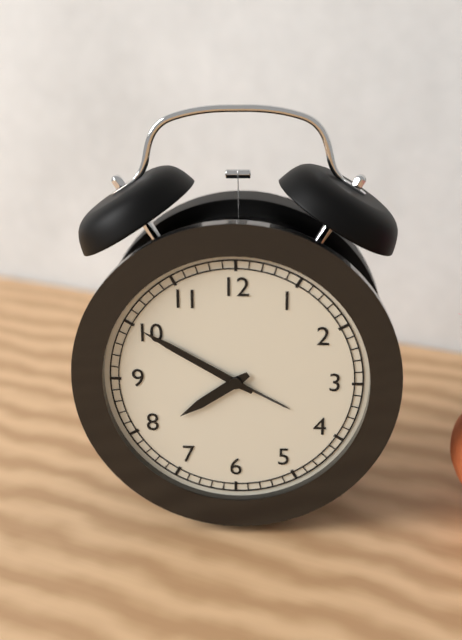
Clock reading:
7 h 50 min
